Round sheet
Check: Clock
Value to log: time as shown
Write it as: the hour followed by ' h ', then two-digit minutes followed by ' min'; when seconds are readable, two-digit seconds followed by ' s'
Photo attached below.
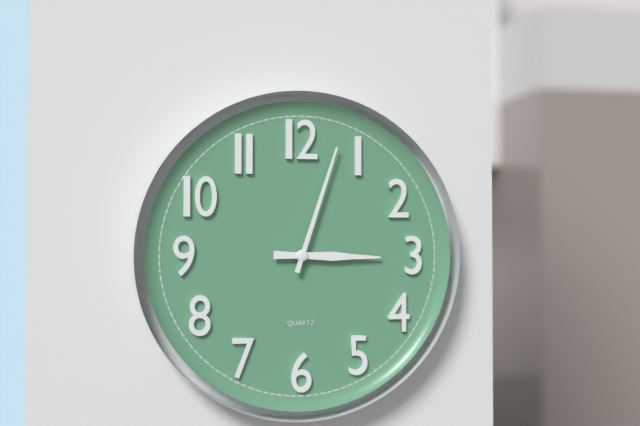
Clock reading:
3 h 03 min
